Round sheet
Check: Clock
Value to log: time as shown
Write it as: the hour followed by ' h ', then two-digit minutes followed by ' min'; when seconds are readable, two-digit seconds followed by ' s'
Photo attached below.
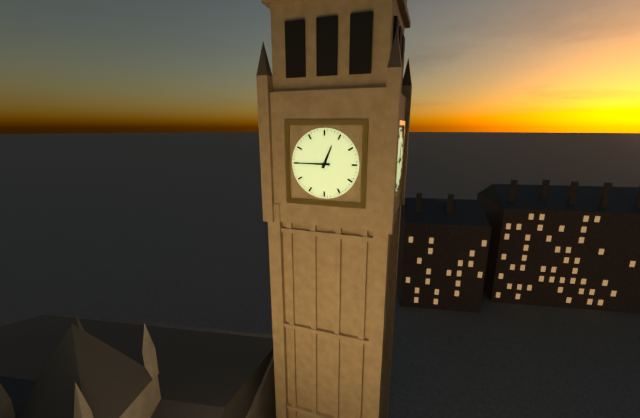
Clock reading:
12 h 45 min
